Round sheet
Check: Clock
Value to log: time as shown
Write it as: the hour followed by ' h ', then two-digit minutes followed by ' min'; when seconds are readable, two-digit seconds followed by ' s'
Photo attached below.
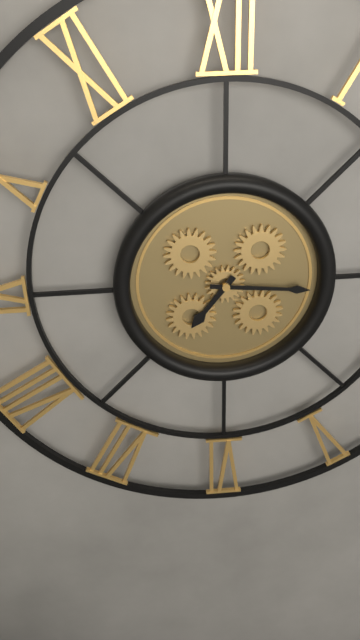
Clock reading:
7 h 16 min
